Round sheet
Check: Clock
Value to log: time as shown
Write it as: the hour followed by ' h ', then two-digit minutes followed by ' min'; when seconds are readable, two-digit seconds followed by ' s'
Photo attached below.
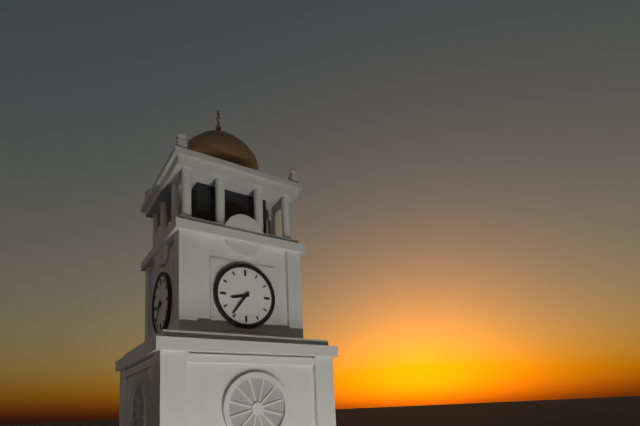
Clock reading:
8 h 36 min
